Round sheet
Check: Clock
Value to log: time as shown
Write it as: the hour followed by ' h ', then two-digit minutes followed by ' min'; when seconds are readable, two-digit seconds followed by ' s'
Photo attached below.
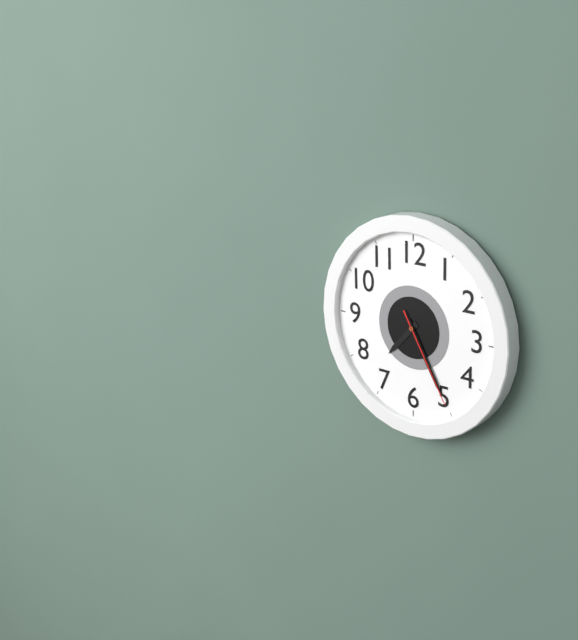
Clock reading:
7 h 25 min 25 s
